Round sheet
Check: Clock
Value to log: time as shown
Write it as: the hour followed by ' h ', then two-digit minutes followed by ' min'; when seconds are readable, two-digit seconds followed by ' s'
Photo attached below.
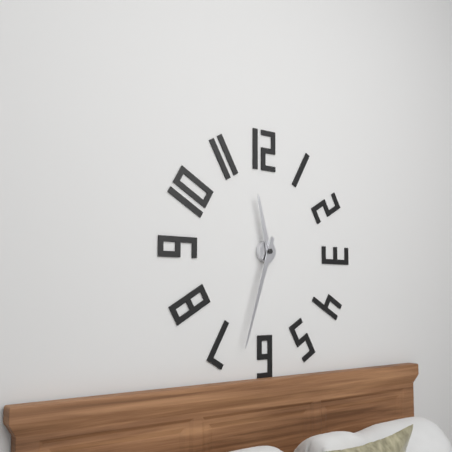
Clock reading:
11 h 33 min
